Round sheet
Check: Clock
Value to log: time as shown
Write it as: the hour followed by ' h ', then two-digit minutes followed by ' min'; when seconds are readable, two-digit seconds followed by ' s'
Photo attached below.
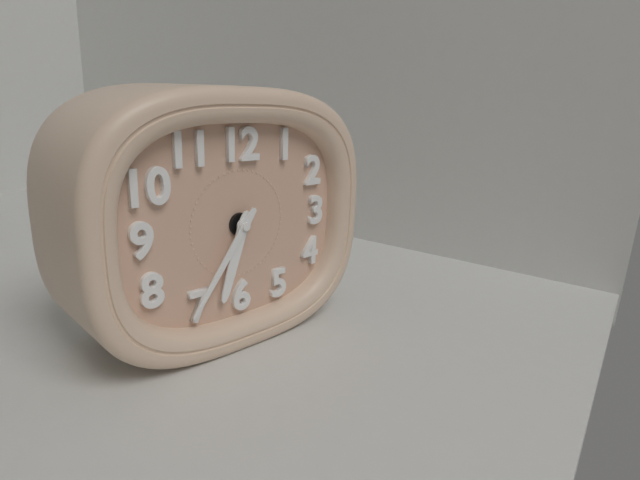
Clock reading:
6 h 36 min
